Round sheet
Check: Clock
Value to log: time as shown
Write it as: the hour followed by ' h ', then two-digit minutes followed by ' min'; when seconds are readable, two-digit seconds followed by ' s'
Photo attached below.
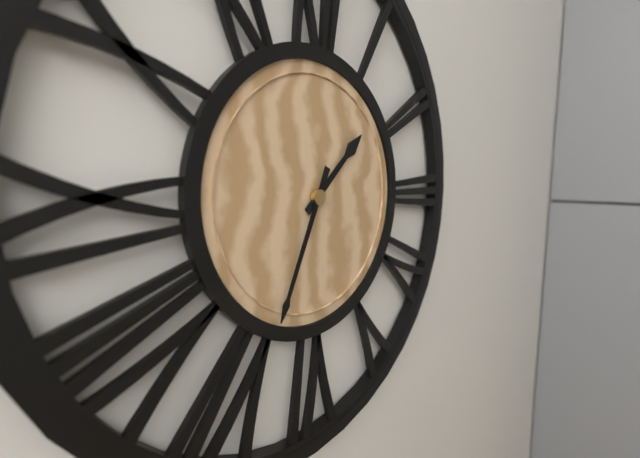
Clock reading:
1 h 34 min
